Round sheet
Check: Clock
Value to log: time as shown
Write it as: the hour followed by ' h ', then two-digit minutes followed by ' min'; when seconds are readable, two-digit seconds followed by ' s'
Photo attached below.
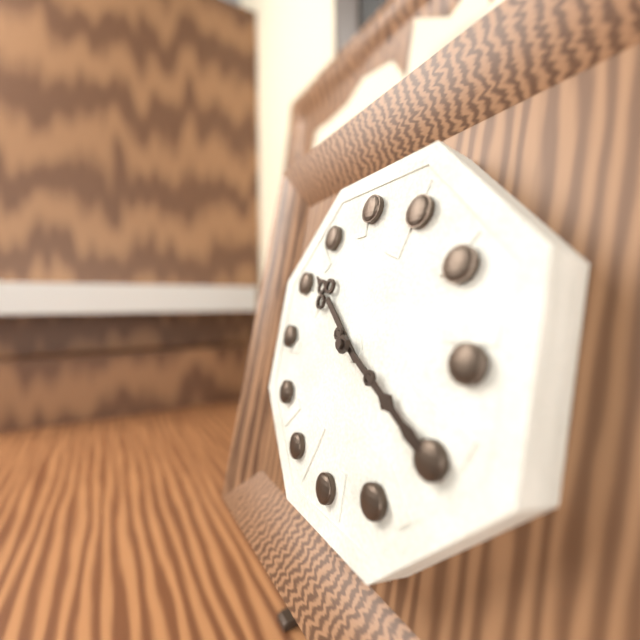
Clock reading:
10 h 20 min
